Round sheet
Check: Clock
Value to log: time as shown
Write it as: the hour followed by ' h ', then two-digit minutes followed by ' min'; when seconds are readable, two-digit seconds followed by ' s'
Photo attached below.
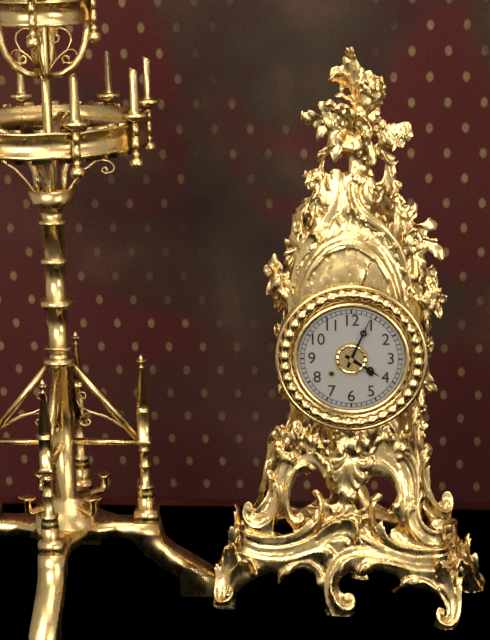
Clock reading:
4 h 04 min
